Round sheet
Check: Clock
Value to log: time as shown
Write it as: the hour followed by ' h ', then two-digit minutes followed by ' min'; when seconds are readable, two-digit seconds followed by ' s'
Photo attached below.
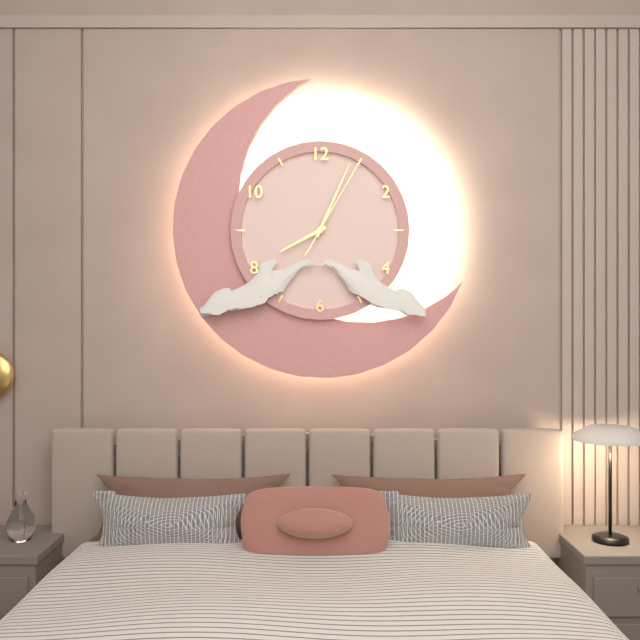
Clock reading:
8 h 04 min 05 s
